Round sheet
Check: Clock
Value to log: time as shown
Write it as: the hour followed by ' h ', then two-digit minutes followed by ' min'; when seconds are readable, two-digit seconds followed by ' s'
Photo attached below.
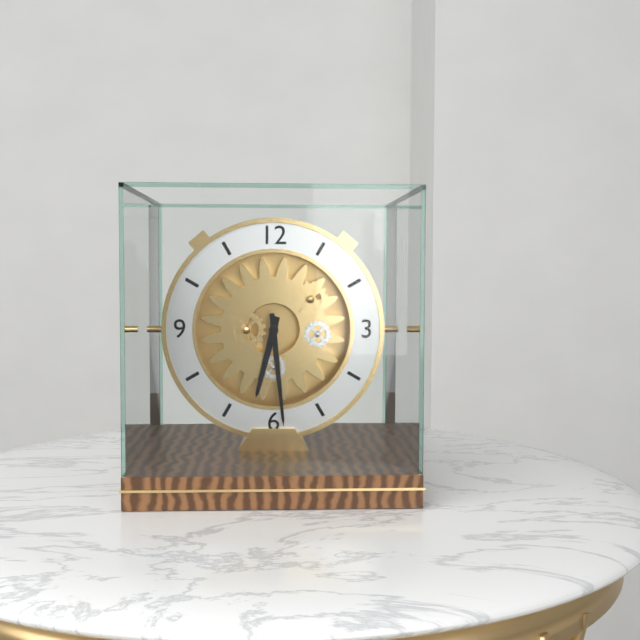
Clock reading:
6 h 29 min
